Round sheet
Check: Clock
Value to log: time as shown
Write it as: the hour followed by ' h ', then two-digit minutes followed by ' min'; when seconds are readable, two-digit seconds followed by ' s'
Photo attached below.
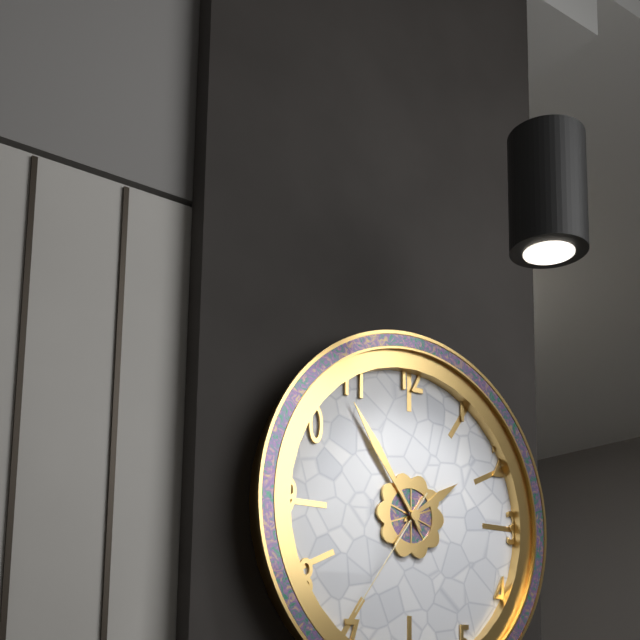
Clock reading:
1 h 54 min 36 s
